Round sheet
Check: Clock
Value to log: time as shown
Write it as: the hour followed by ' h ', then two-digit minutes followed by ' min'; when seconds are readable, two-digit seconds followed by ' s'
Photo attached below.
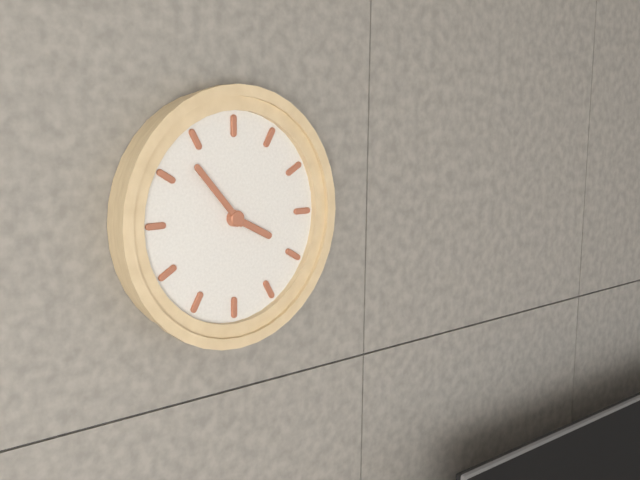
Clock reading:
3 h 53 min
